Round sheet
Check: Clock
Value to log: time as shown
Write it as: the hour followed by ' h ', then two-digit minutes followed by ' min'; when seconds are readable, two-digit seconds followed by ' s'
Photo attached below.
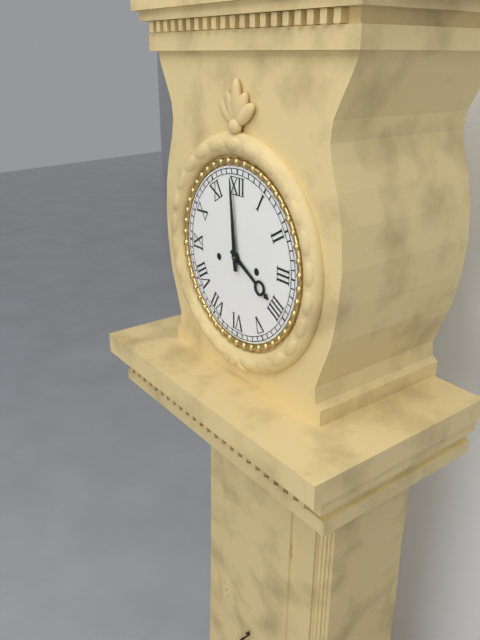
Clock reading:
3 h 59 min
